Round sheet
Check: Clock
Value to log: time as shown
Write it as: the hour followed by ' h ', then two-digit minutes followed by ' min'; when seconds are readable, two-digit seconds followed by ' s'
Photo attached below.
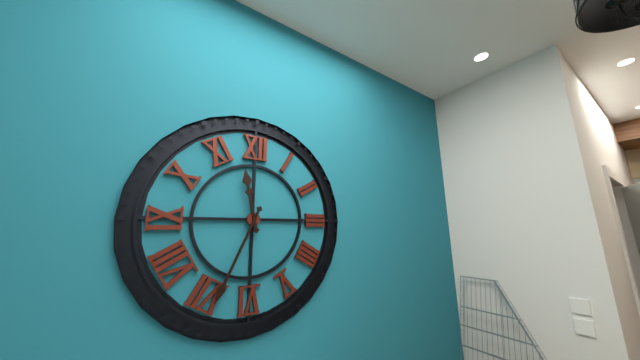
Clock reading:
11 h 34 min
